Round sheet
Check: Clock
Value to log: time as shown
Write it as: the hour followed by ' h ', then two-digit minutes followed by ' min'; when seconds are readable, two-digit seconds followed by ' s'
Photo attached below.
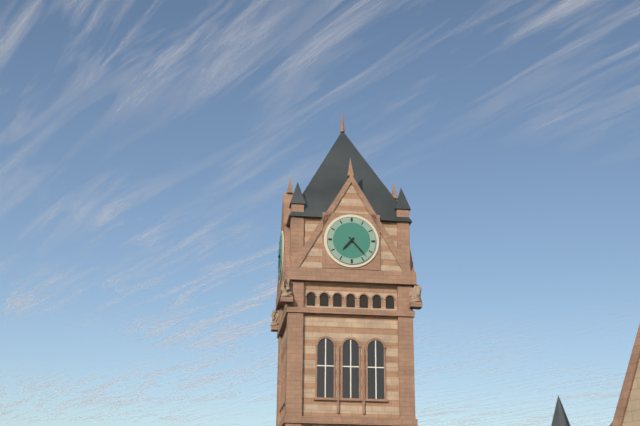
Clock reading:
7 h 23 min
